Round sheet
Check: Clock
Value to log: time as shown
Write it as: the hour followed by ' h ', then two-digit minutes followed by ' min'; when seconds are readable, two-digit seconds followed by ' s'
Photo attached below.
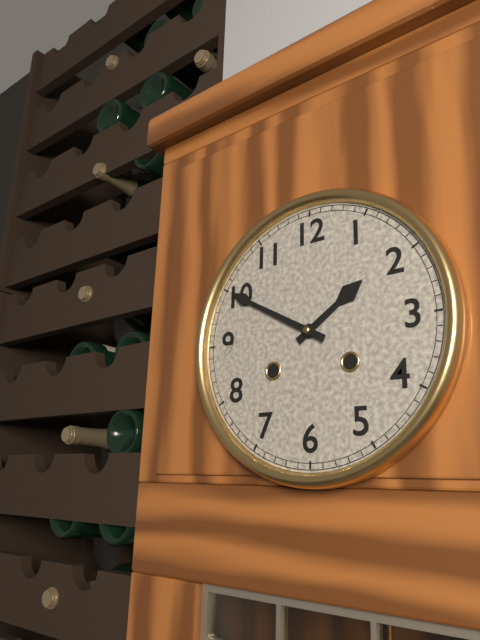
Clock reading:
1 h 50 min
